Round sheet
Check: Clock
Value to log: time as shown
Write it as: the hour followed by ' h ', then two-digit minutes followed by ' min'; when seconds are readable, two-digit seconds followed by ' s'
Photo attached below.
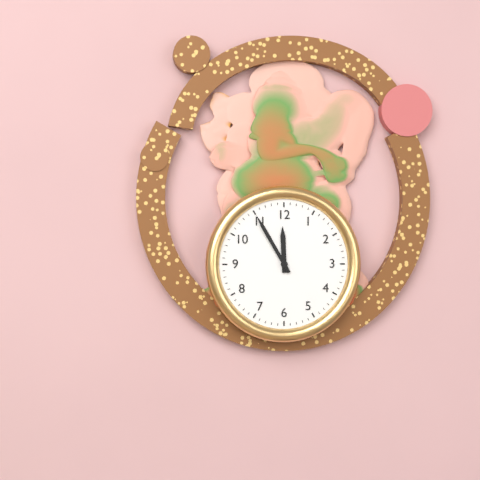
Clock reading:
11 h 55 min
